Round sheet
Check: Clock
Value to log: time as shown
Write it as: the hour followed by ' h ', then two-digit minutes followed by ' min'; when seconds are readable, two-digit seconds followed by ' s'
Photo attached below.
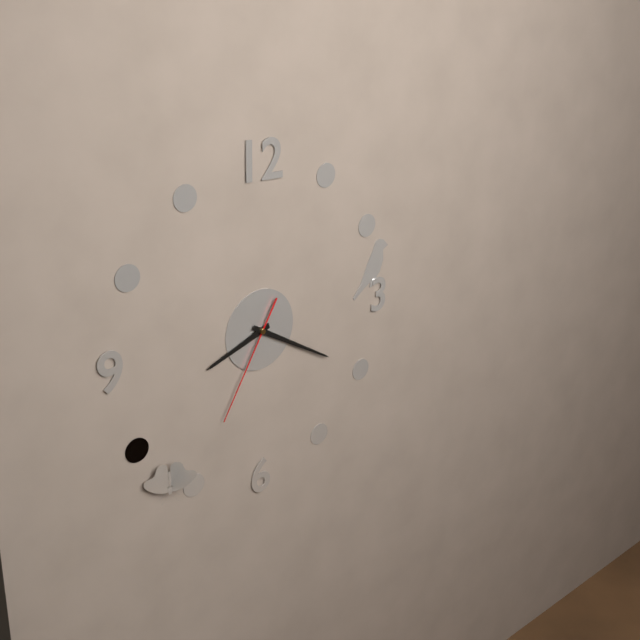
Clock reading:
8 h 20 min 35 s
